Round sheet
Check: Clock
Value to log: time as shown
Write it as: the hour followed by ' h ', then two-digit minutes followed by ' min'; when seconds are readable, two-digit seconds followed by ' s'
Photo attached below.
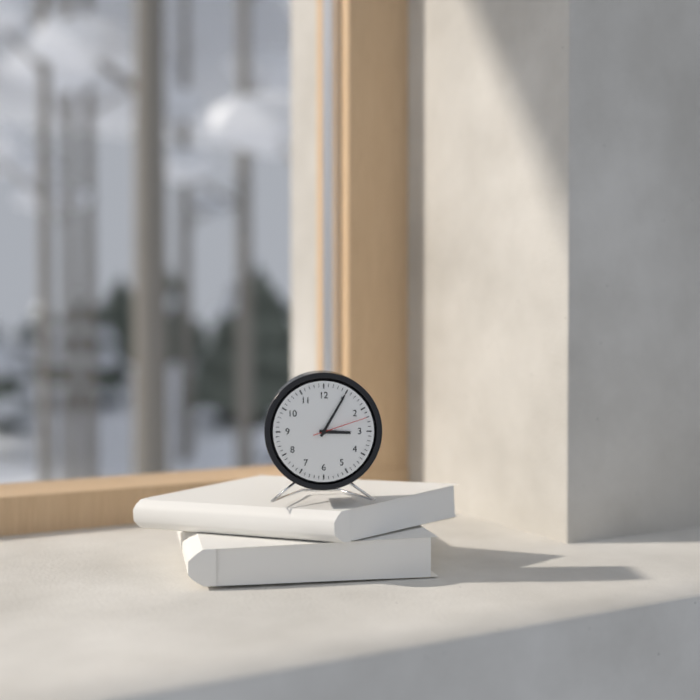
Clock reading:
3 h 05 min 12 s
